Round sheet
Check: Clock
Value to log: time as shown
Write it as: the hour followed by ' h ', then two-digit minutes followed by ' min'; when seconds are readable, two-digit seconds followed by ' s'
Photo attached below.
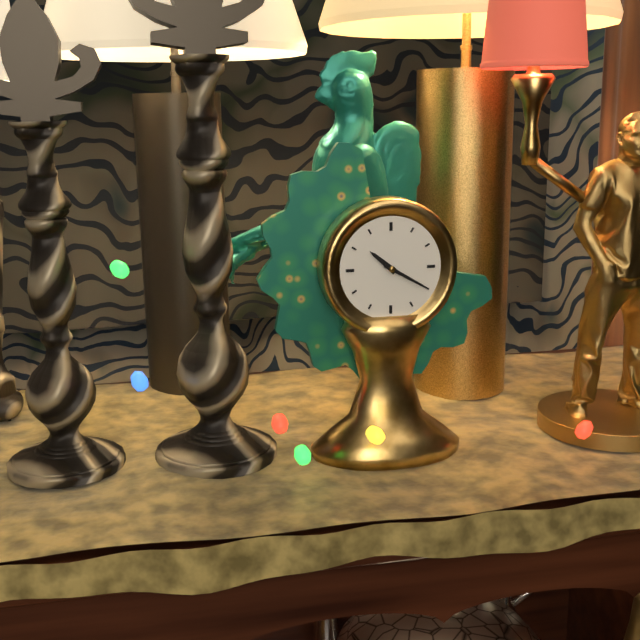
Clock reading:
10 h 20 min
